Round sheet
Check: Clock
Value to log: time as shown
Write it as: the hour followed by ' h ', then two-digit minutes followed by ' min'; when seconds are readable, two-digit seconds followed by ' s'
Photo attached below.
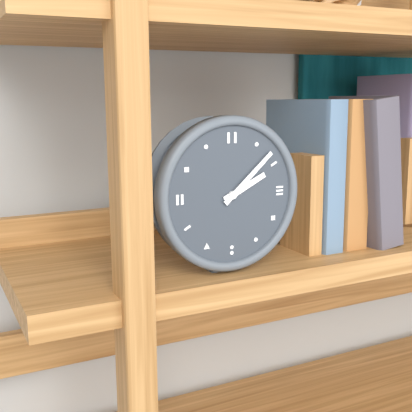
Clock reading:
2 h 08 min
